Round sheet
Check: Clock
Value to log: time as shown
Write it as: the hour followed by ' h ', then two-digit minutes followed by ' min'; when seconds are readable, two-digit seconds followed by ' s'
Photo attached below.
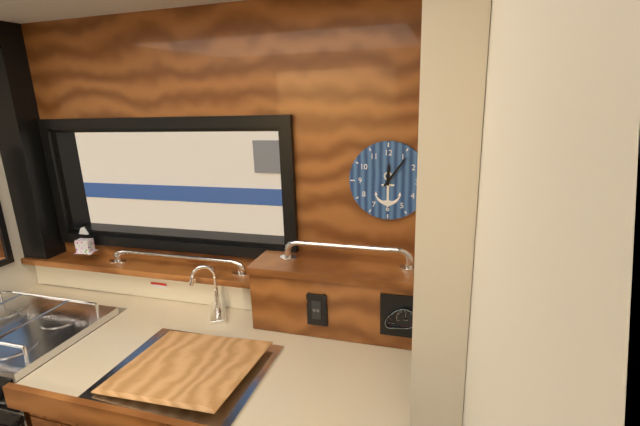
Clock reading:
12 h 06 min
